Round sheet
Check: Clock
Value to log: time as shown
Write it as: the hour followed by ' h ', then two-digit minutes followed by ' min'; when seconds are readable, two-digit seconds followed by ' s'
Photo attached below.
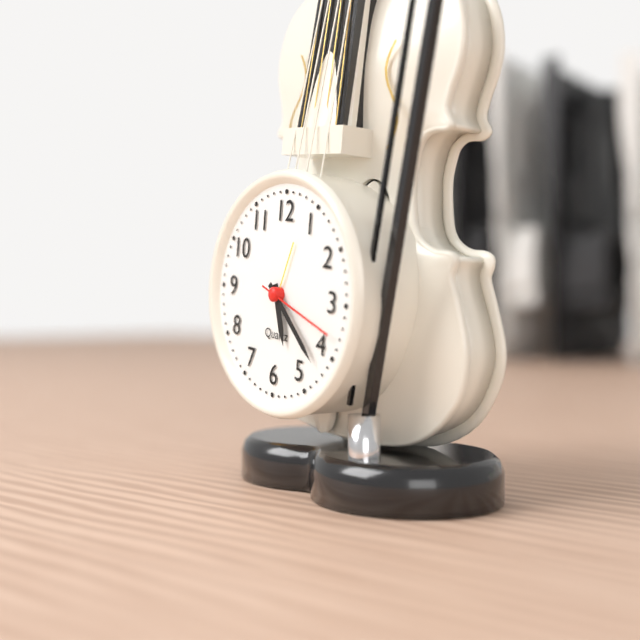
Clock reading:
5 h 22 min 18 s
